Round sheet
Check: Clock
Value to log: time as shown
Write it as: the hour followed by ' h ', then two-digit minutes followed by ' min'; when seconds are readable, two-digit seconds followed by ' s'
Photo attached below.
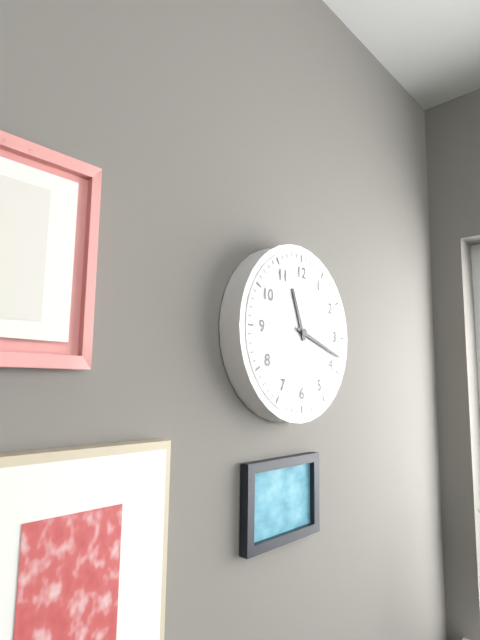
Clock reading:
11 h 18 min
